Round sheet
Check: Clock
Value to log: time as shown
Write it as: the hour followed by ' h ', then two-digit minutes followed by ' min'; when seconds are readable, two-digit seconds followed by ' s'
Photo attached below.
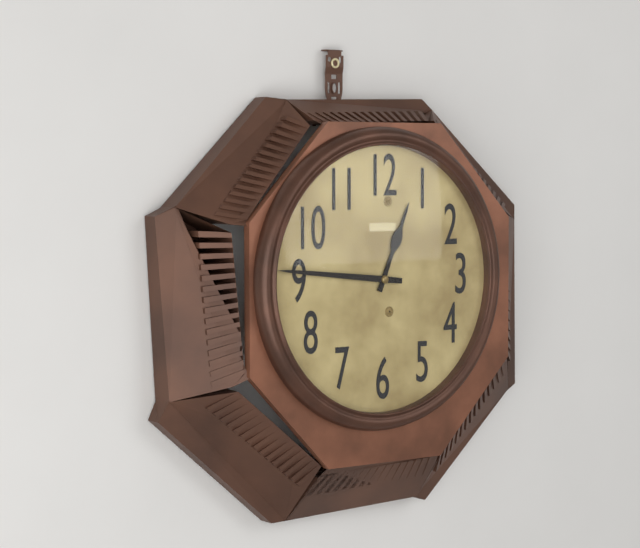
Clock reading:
12 h 46 min
